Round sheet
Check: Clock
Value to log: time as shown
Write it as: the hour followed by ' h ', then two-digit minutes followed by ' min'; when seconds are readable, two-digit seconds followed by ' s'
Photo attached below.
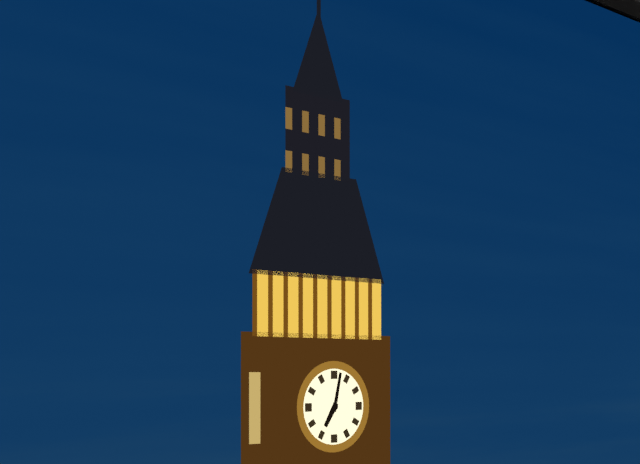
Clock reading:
7 h 02 min
